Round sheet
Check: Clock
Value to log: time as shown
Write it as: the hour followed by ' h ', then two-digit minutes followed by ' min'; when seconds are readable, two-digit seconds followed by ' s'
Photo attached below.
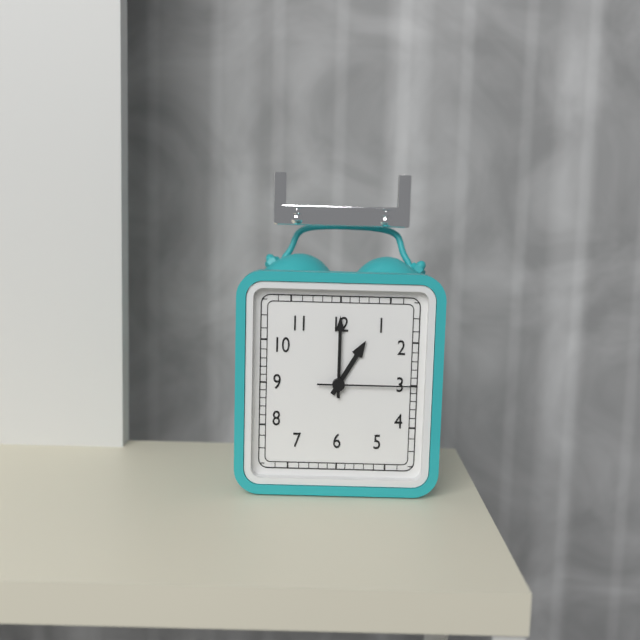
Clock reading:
1 h 00 min 15 s
